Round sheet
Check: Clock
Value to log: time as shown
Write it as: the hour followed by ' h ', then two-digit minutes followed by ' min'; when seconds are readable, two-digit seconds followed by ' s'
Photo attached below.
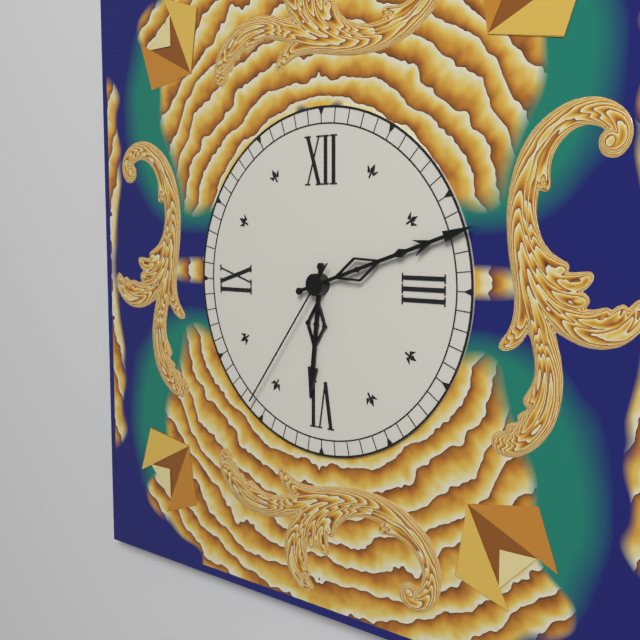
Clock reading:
6 h 12 min 36 s
